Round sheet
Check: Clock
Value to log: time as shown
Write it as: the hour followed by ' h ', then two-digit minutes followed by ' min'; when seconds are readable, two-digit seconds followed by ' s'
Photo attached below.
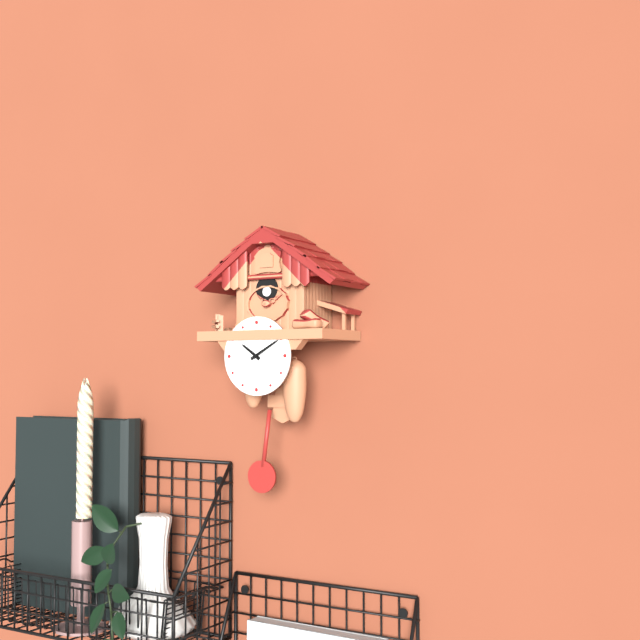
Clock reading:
10 h 10 min
